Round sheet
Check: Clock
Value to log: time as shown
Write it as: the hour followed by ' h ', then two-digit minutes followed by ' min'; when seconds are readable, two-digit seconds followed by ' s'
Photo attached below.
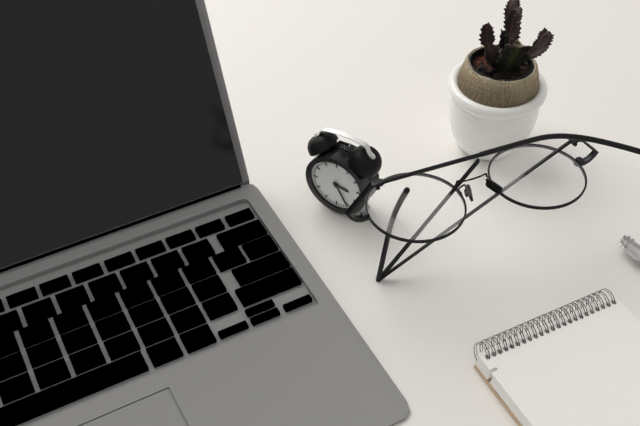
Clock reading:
3 h 25 min
